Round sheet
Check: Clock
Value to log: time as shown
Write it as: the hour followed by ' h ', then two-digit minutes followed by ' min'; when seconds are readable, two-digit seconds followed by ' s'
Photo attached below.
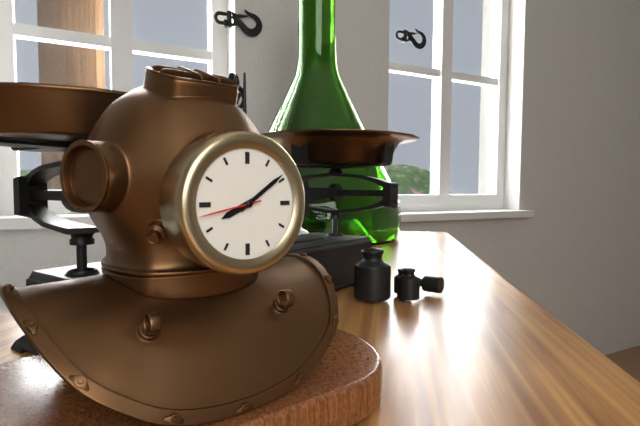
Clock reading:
8 h 09 min 43 s
